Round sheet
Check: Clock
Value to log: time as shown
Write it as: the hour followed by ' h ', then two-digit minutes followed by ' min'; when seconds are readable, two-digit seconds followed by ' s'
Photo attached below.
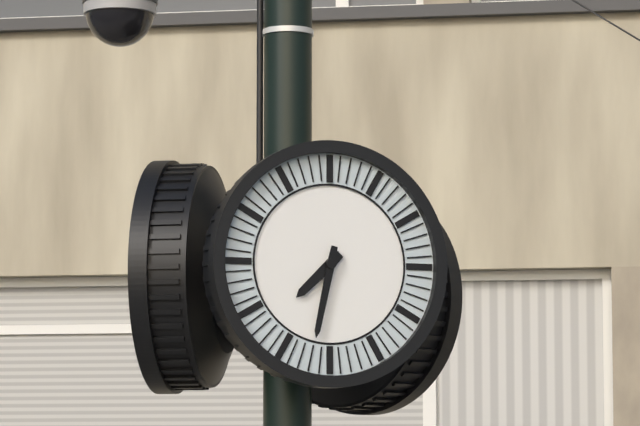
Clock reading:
7 h 32 min
